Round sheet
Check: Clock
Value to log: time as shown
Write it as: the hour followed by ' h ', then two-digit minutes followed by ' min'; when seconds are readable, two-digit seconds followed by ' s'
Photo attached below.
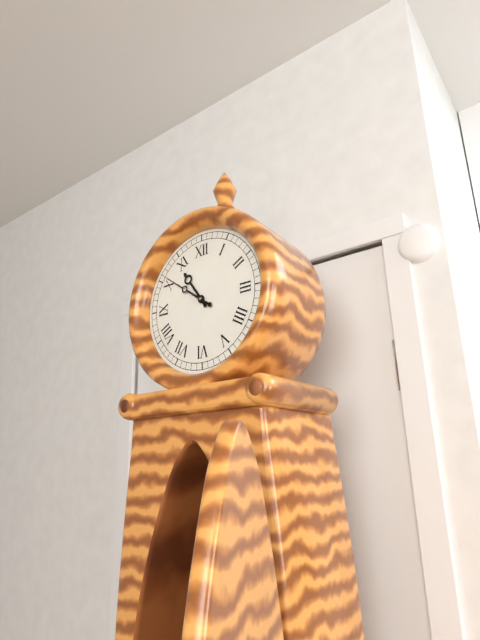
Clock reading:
10 h 51 min
